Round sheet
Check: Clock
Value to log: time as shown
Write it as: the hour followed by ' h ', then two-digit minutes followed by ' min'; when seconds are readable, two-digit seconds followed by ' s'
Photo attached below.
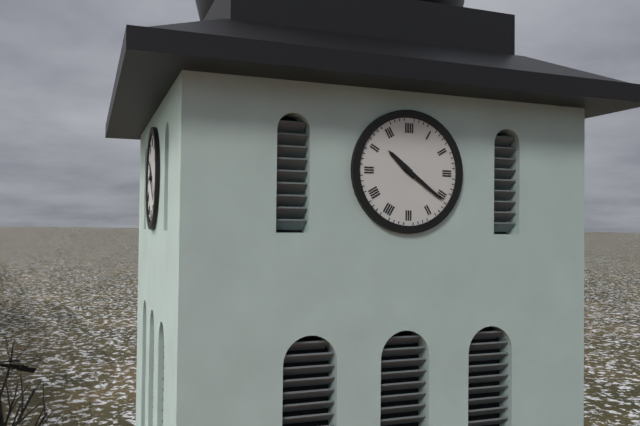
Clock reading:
10 h 21 min
